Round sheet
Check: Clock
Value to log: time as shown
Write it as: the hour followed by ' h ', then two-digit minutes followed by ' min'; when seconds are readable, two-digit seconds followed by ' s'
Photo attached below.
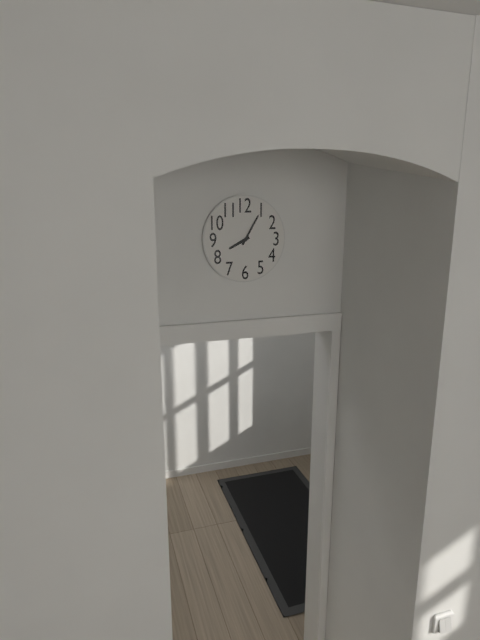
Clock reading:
8 h 05 min
